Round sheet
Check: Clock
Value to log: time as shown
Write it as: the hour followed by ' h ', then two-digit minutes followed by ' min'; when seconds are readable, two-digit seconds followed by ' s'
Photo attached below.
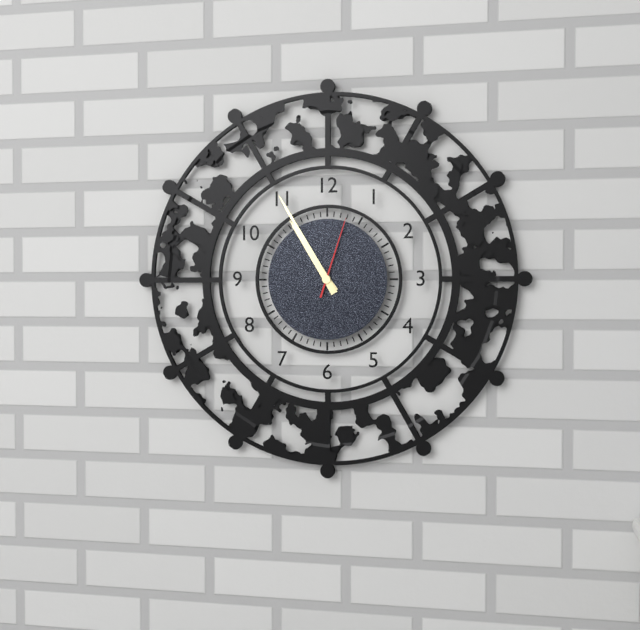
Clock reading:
10 h 55 min 03 s
